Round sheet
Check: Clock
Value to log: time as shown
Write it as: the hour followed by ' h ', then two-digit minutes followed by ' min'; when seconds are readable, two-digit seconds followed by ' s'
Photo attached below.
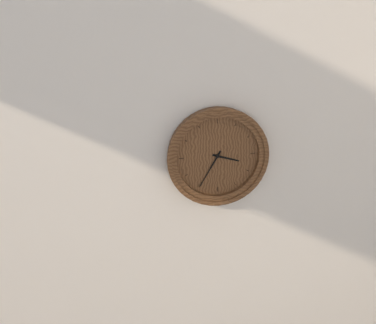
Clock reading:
3 h 35 min
